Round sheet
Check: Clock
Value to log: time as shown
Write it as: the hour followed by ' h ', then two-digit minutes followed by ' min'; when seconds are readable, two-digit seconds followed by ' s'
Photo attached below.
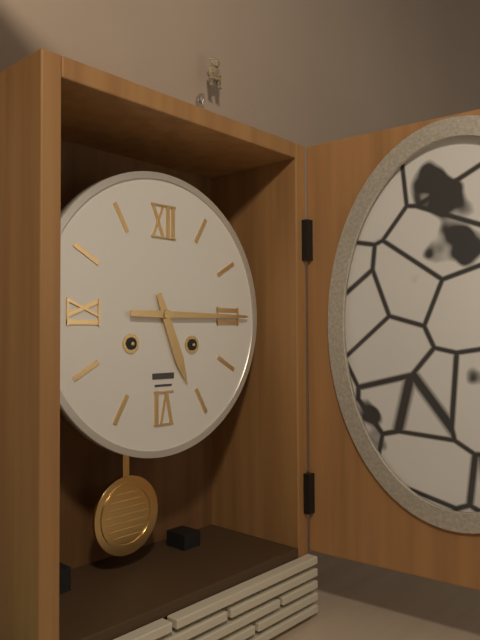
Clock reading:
5 h 15 min
